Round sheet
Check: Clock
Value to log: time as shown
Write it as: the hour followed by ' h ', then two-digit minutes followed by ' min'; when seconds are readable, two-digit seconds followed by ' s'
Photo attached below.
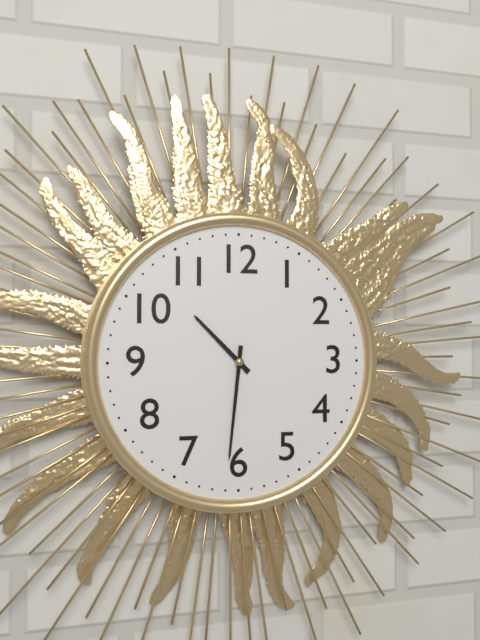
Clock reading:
10 h 31 min
